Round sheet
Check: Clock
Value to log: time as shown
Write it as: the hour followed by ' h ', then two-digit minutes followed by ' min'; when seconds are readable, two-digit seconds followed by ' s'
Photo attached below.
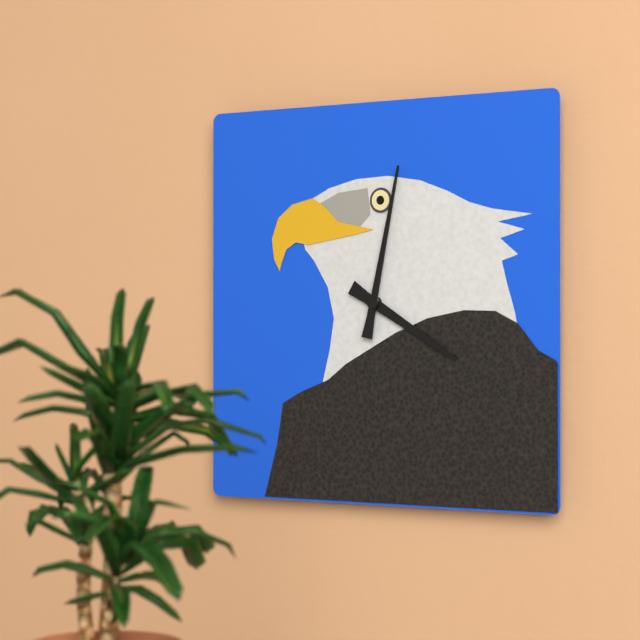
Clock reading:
4 h 02 min
